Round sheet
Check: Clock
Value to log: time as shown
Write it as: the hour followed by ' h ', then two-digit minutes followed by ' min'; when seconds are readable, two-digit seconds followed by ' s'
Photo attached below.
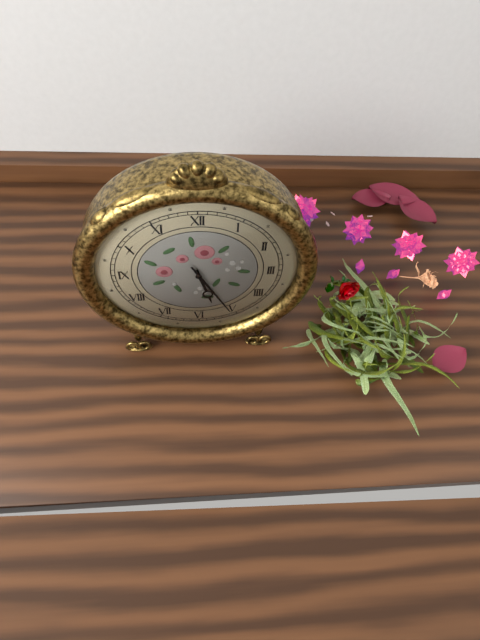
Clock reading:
5 h 25 min
